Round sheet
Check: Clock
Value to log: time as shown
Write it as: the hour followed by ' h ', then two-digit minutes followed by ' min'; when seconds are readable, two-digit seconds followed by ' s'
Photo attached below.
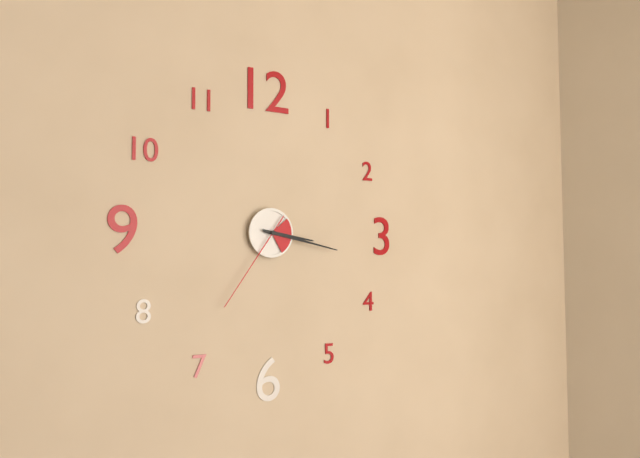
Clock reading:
3 h 17 min 36 s
